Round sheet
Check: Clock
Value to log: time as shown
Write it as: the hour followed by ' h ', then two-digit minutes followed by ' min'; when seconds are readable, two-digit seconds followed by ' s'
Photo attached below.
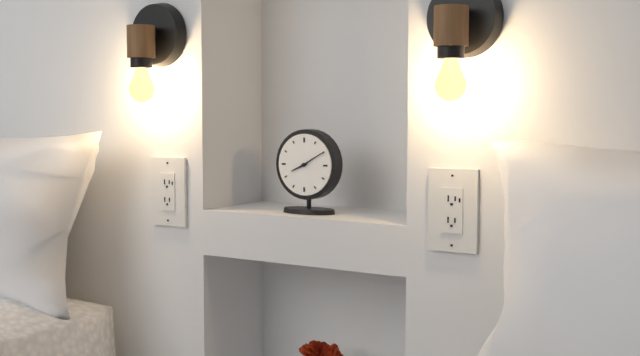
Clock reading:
8 h 10 min
